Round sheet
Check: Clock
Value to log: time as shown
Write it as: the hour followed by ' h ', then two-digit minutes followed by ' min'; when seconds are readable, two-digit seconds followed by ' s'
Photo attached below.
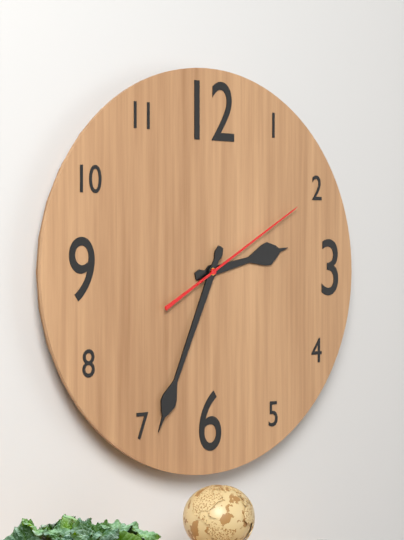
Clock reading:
2 h 34 min 10 s
